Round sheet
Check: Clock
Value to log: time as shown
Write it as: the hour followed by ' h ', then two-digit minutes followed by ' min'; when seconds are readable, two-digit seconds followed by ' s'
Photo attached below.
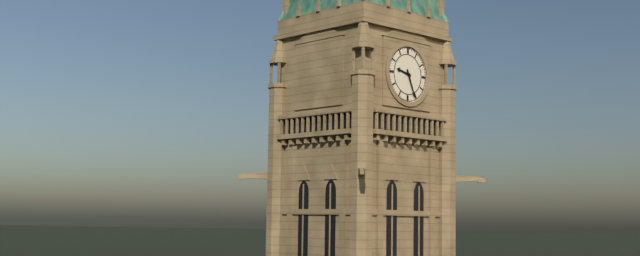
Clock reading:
9 h 26 min
